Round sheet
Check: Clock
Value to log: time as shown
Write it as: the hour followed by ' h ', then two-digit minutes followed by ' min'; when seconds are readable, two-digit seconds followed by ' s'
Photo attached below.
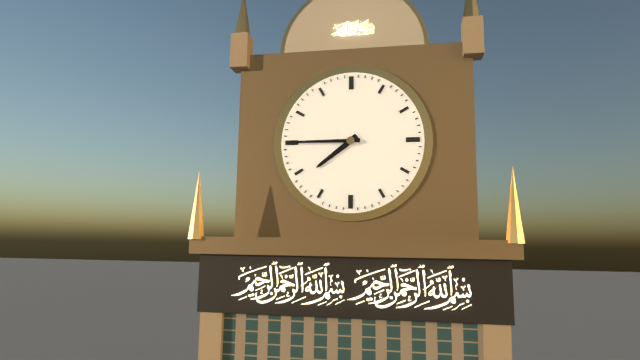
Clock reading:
7 h 45 min
